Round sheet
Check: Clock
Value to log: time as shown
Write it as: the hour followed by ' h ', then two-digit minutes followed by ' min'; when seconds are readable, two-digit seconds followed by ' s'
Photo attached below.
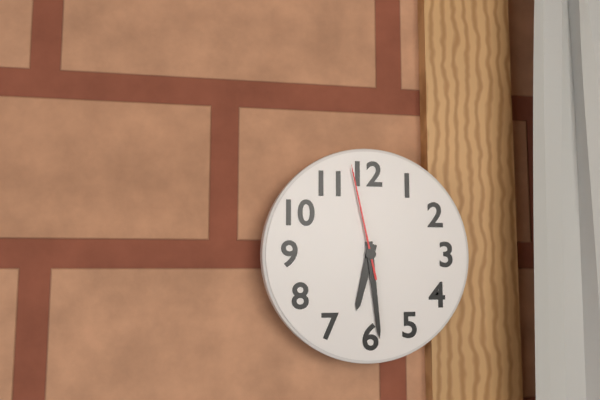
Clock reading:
6 h 29 min 58 s
